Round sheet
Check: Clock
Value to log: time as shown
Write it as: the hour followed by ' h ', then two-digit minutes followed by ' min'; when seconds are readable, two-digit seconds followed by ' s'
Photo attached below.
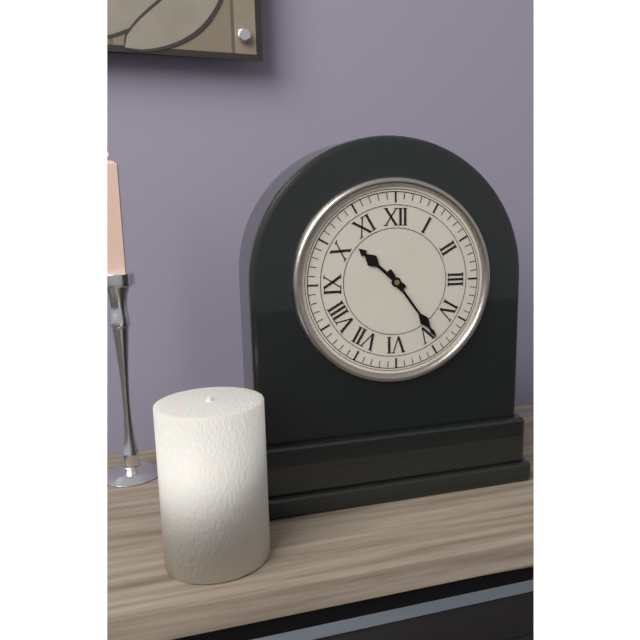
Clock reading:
10 h 24 min
